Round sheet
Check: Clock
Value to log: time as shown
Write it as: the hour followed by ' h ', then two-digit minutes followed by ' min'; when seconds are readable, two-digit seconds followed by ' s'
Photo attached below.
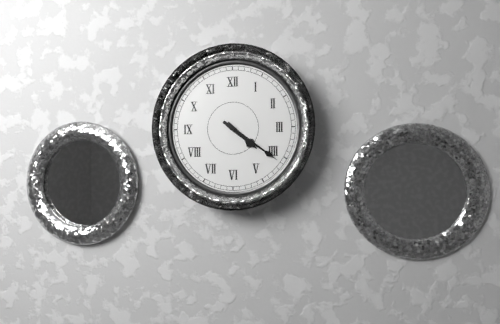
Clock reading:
4 h 21 min
